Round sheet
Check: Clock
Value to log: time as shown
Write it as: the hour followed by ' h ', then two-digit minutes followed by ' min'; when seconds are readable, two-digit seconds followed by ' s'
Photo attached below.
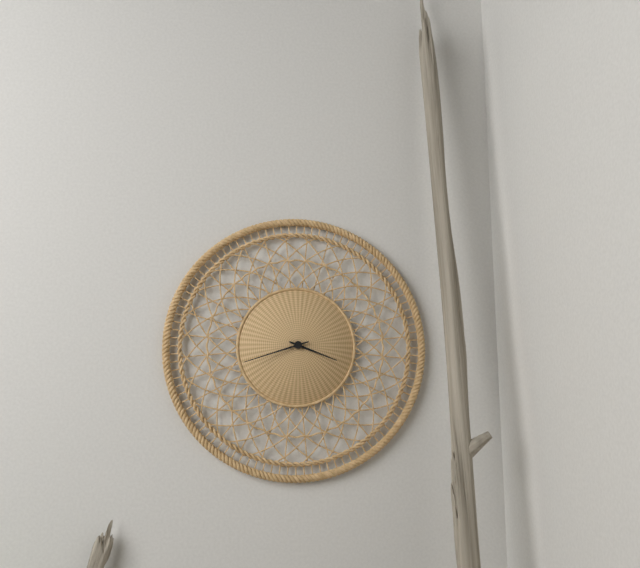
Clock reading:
3 h 42 min
